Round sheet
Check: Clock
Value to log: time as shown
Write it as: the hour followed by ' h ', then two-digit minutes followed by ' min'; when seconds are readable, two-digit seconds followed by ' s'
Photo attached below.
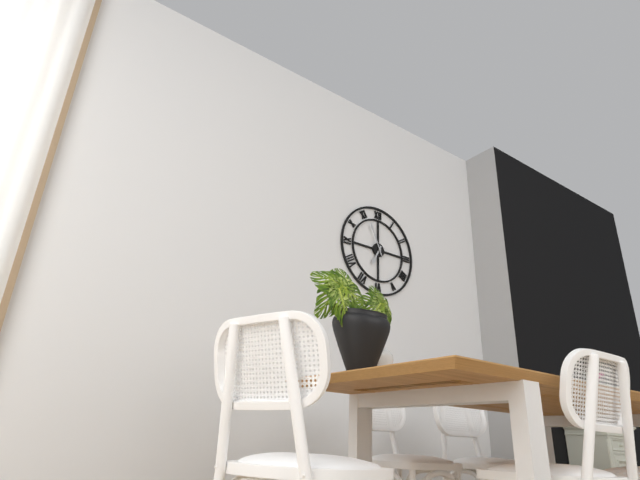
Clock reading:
6 h 56 min
